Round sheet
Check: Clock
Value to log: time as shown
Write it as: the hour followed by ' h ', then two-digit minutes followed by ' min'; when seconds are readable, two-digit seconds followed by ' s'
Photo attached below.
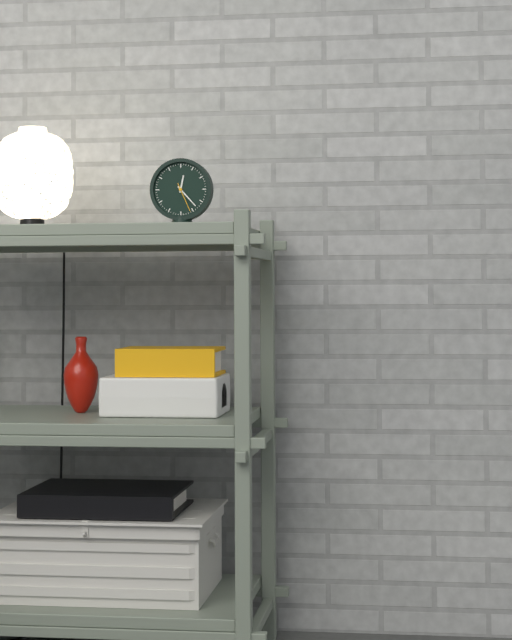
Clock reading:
12 h 23 min
